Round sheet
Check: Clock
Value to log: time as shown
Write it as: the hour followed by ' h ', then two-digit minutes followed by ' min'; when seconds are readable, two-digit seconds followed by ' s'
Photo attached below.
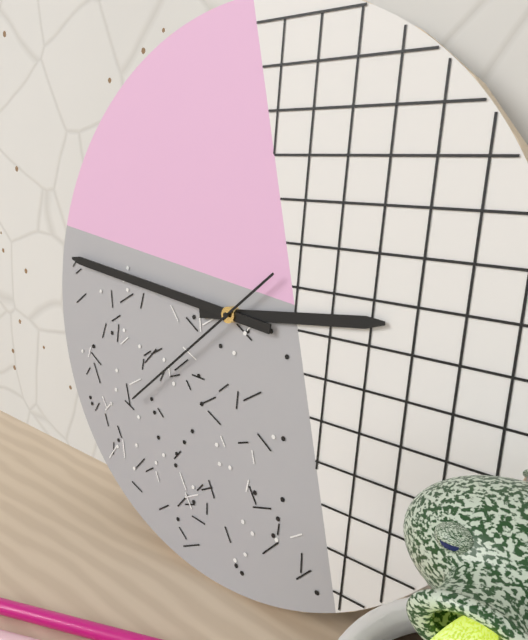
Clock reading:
2 h 46 min 38 s
